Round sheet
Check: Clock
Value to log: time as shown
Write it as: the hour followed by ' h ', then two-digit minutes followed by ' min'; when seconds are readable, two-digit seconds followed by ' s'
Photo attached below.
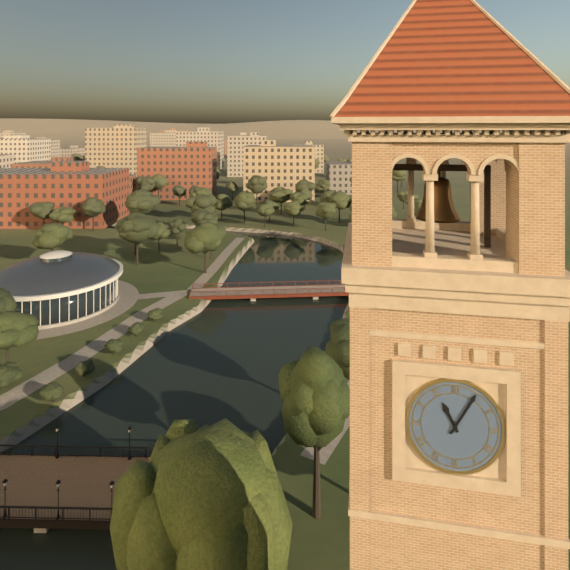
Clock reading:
11 h 05 min
